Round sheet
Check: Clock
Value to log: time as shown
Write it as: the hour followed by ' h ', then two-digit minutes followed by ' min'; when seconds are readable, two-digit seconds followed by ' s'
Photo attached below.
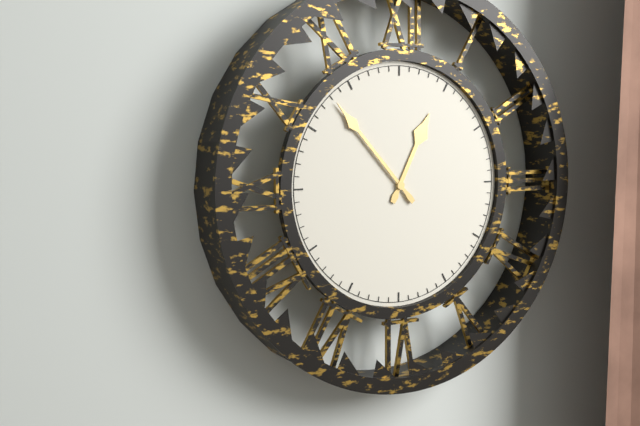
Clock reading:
12 h 53 min
